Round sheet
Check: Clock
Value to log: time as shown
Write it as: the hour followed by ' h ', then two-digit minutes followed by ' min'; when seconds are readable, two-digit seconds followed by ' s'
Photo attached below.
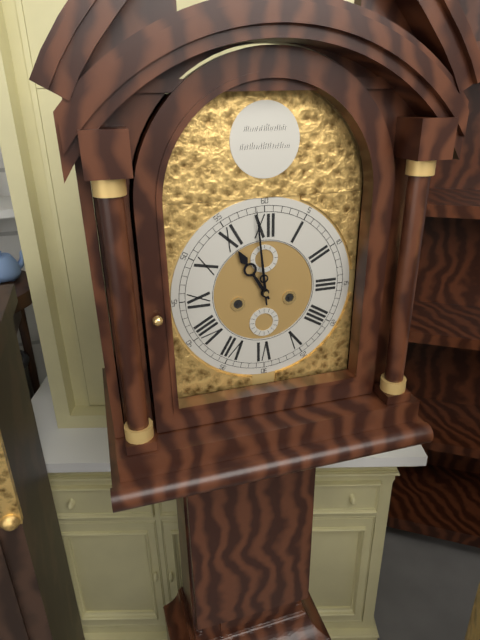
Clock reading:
10 h 59 min
